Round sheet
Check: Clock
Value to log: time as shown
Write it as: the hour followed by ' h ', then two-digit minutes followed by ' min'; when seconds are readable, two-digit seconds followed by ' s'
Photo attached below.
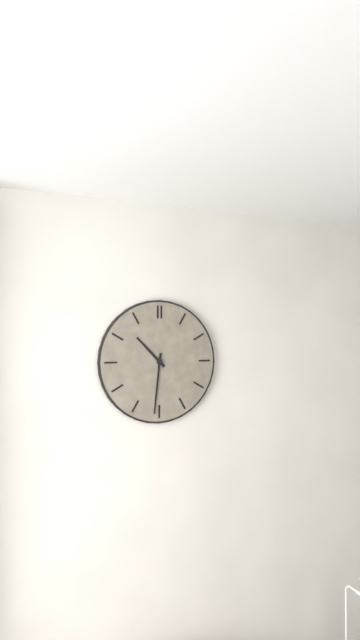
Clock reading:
10 h 31 min
